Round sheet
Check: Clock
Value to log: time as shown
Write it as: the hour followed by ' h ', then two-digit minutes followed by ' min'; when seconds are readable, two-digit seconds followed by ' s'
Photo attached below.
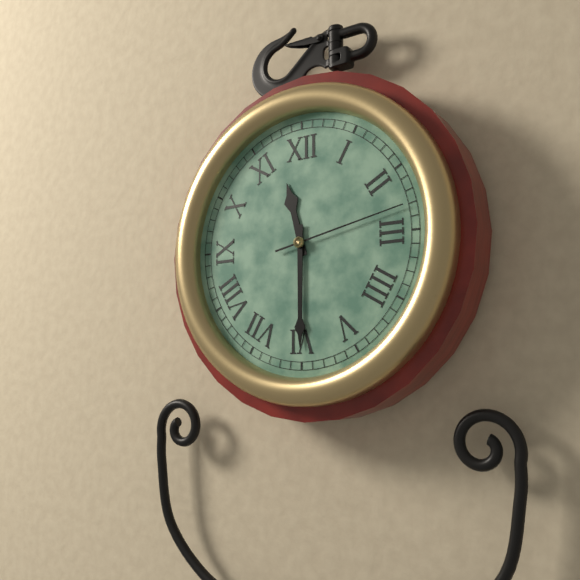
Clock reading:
11 h 30 min 13 s
